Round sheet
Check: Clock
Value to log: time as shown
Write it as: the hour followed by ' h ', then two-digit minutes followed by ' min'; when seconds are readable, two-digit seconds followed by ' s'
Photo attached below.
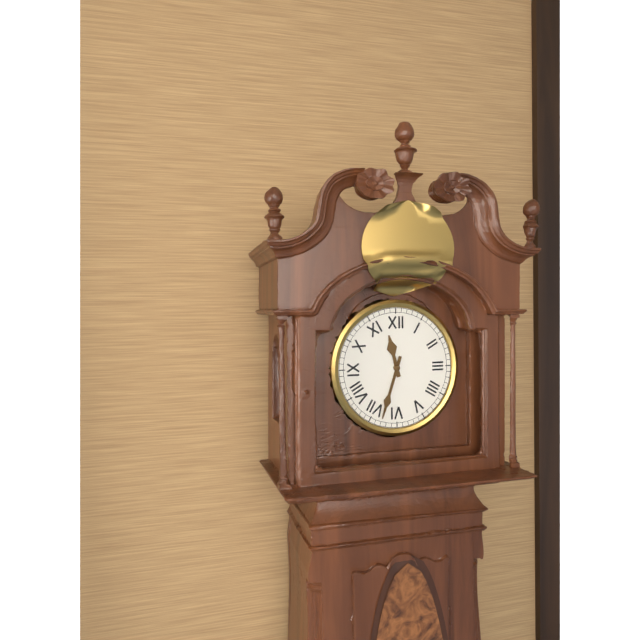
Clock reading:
11 h 33 min
